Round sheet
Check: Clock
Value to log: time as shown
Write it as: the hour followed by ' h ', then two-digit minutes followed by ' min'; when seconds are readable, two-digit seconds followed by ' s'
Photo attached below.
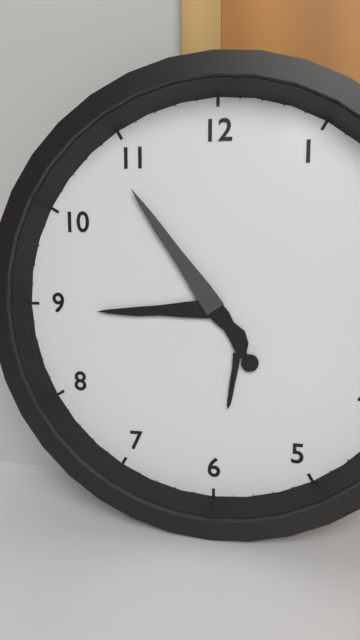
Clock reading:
8 h 54 min
